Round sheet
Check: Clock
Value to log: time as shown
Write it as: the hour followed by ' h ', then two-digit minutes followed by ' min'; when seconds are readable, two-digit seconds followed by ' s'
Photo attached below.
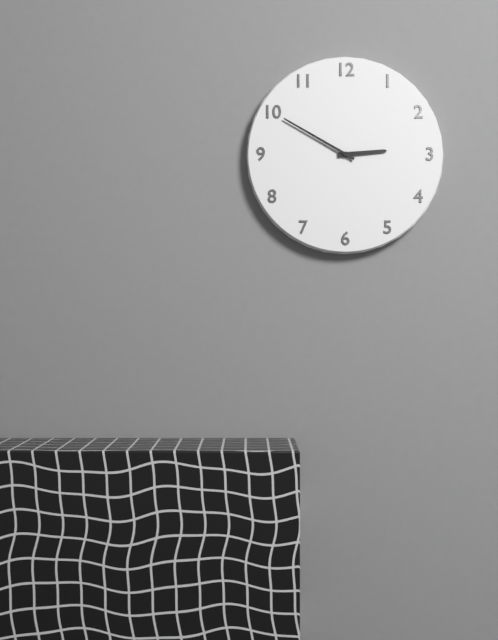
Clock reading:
2 h 50 min
